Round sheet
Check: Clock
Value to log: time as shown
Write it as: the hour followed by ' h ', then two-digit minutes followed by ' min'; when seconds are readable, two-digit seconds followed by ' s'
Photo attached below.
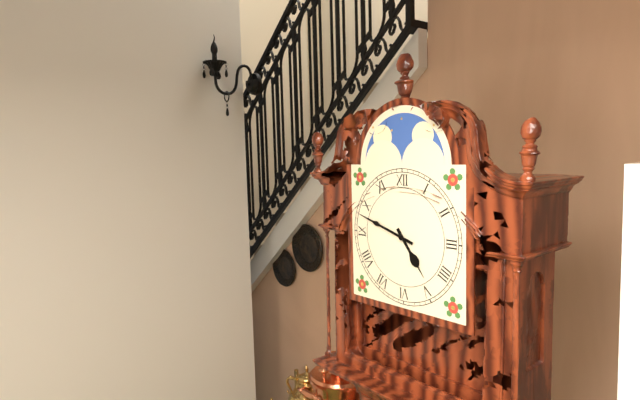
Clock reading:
4 h 48 min
